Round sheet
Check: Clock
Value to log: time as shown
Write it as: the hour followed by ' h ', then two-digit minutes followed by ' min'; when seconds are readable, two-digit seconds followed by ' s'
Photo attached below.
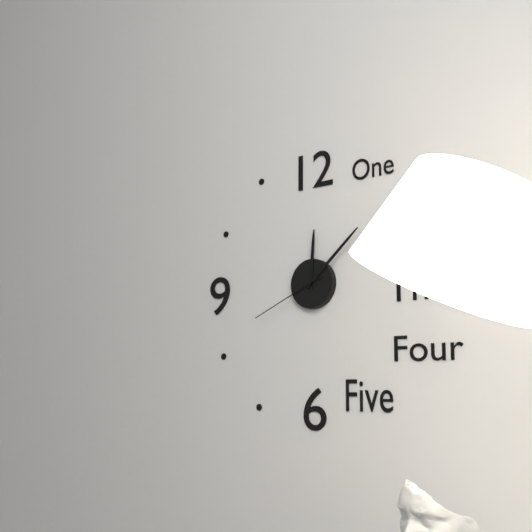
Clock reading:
12 h 08 min 41 s
